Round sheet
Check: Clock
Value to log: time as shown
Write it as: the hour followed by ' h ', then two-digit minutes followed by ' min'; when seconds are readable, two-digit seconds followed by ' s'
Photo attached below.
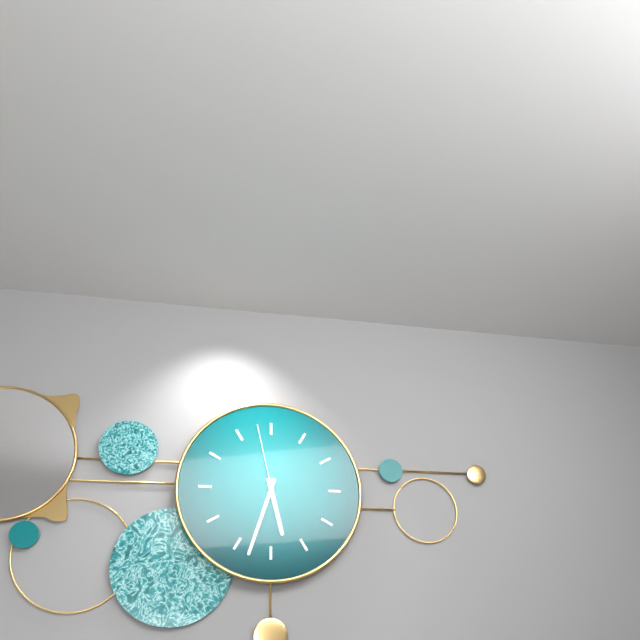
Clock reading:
5 h 33 min 58 s
